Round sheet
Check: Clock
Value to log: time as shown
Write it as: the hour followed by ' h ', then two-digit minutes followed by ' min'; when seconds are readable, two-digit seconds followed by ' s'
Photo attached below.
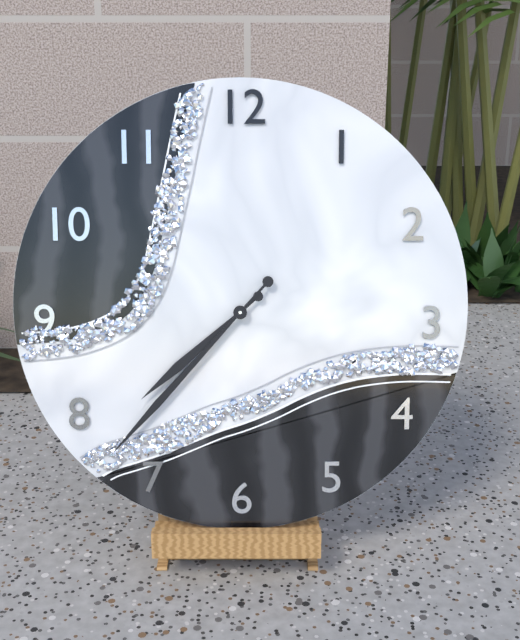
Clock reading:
7 h 37 min
